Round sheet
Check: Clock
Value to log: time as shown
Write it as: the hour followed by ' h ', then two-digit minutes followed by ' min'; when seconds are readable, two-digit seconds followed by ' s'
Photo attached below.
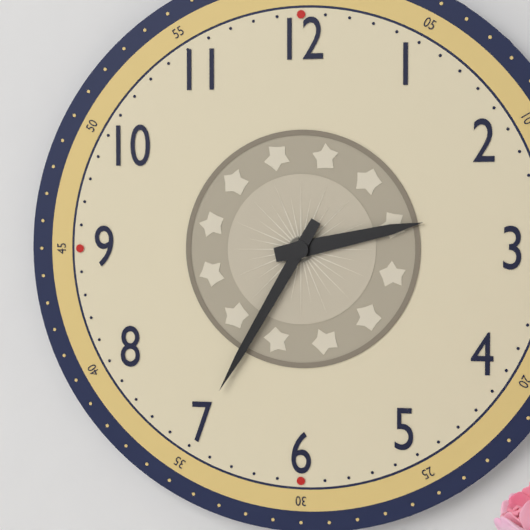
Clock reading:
2 h 35 min
